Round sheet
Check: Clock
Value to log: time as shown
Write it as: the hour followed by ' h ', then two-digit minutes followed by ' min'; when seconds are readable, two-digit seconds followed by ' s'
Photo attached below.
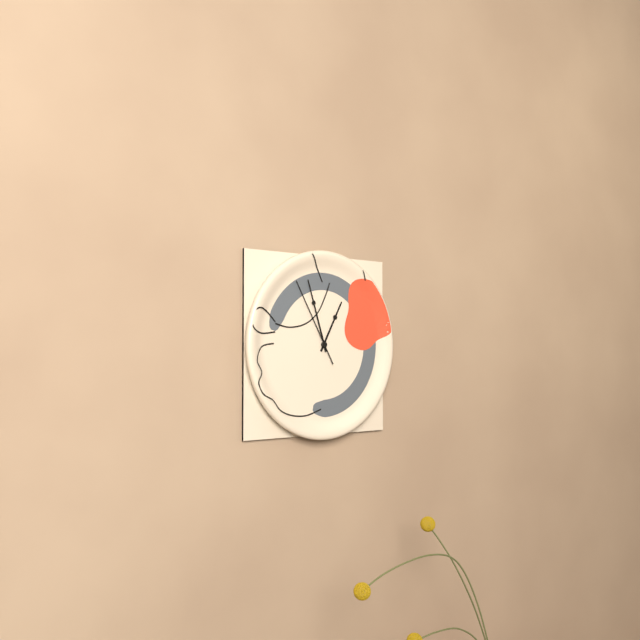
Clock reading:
12 h 57 min 55 s
